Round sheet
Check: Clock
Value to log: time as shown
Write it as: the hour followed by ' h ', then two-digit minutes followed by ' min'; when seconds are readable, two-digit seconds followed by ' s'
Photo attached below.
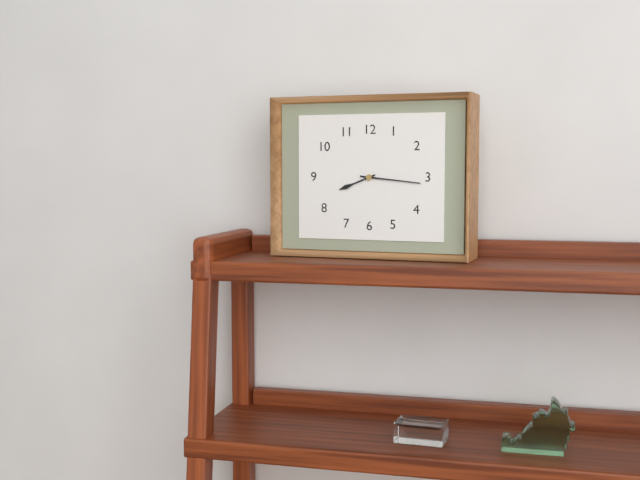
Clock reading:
8 h 16 min
